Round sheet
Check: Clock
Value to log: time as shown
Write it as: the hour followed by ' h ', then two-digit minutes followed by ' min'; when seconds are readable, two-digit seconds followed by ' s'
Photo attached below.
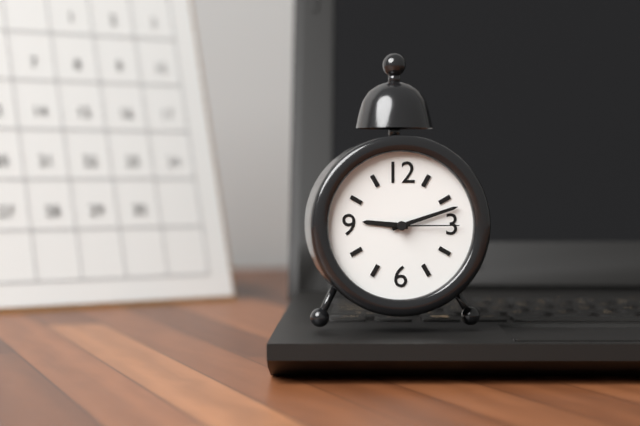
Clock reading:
9 h 12 min 15 s
